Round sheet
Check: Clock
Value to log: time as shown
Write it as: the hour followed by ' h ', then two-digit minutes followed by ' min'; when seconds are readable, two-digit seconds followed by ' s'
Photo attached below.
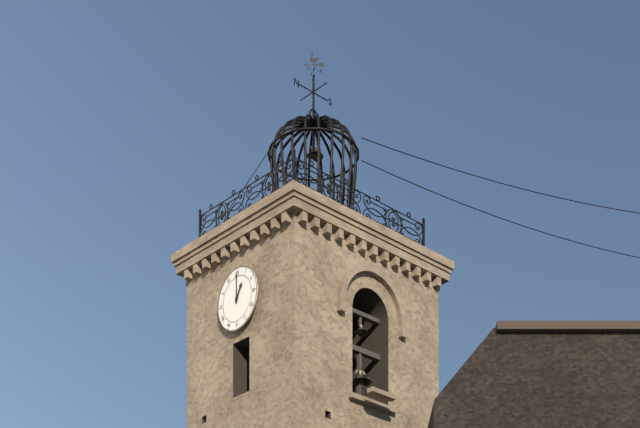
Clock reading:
1 h 00 min
